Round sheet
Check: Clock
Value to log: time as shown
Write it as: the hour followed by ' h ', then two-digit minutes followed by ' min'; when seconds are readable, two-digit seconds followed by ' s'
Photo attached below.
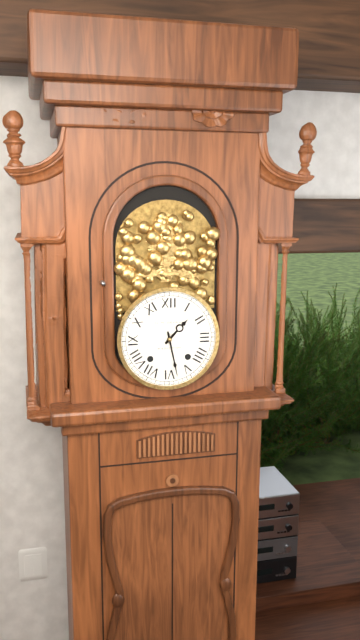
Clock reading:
1 h 28 min
